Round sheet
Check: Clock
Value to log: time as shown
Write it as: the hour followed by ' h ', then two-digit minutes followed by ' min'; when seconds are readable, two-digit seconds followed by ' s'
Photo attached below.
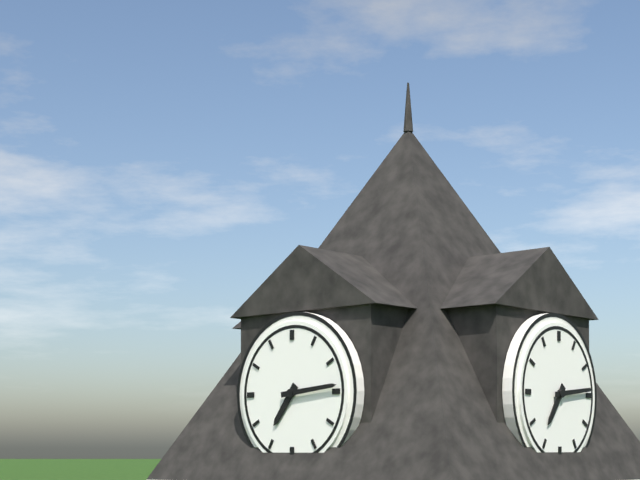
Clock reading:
7 h 14 min
